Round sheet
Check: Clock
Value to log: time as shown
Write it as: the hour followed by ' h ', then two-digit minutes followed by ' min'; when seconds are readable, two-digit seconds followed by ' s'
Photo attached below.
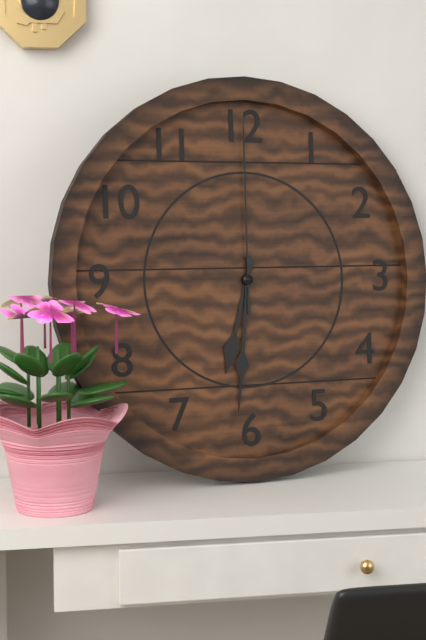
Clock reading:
6 h 31 min 00 s
